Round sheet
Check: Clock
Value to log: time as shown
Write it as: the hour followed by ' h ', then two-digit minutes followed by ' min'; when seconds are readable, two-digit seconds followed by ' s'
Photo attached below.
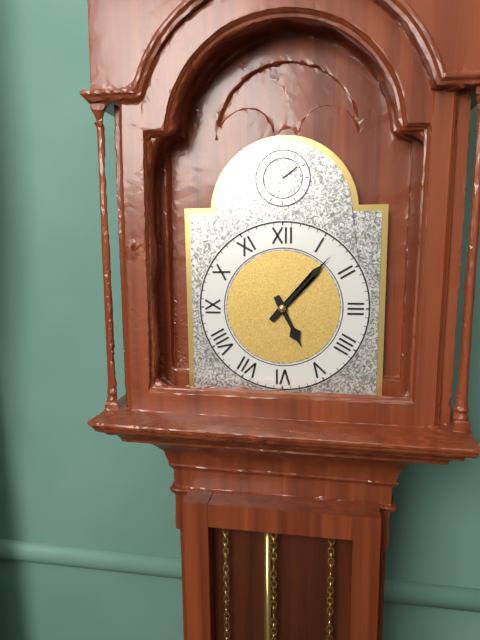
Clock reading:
5 h 07 min
